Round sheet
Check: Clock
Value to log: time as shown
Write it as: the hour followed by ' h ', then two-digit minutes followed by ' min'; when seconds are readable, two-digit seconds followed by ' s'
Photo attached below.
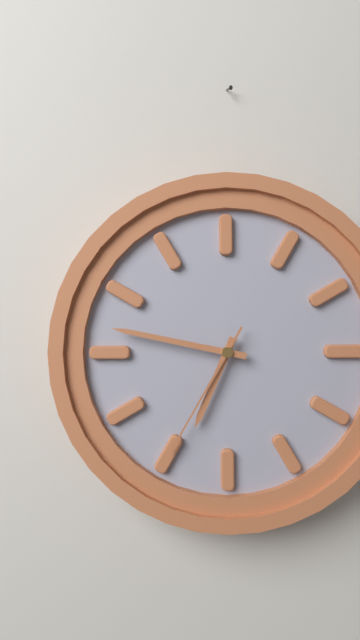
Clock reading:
6 h 47 min 35 s
